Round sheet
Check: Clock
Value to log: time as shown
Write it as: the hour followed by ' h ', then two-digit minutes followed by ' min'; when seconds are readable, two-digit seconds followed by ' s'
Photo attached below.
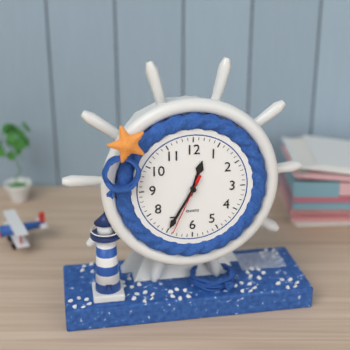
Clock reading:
12 h 35 min 34 s
